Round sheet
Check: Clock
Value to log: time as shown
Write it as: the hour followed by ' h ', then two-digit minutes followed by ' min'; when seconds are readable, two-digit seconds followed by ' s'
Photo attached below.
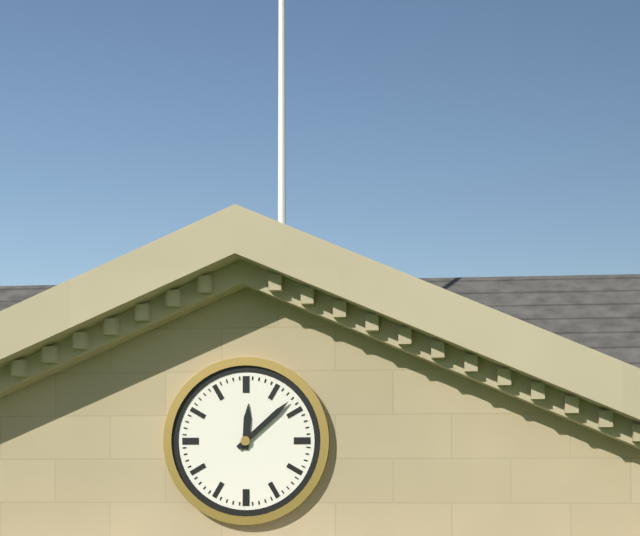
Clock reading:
12 h 08 min
